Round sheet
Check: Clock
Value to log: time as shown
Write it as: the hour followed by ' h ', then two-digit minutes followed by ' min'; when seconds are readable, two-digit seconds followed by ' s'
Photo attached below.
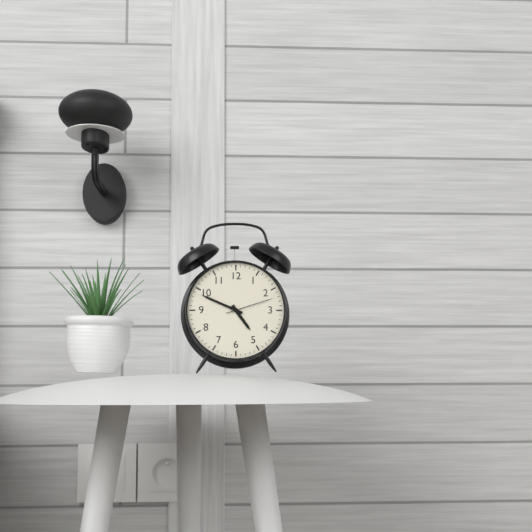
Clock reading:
4 h 49 min 12 s
